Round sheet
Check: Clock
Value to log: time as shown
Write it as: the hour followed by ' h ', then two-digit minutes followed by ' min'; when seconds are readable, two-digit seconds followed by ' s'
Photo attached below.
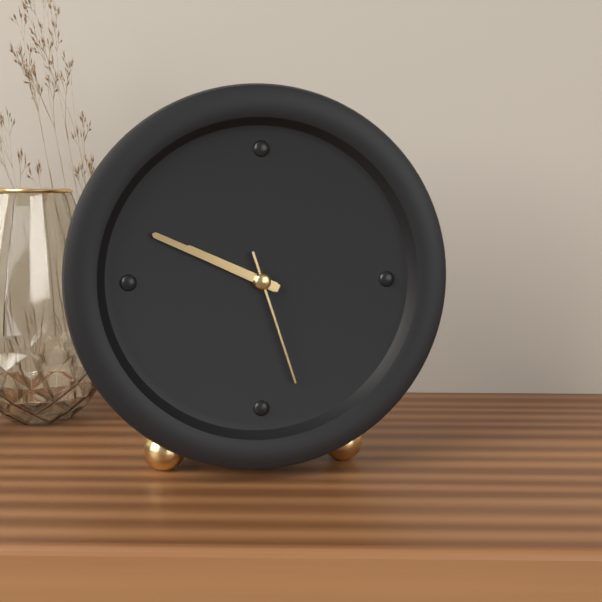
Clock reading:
9 h 49 min 27 s
